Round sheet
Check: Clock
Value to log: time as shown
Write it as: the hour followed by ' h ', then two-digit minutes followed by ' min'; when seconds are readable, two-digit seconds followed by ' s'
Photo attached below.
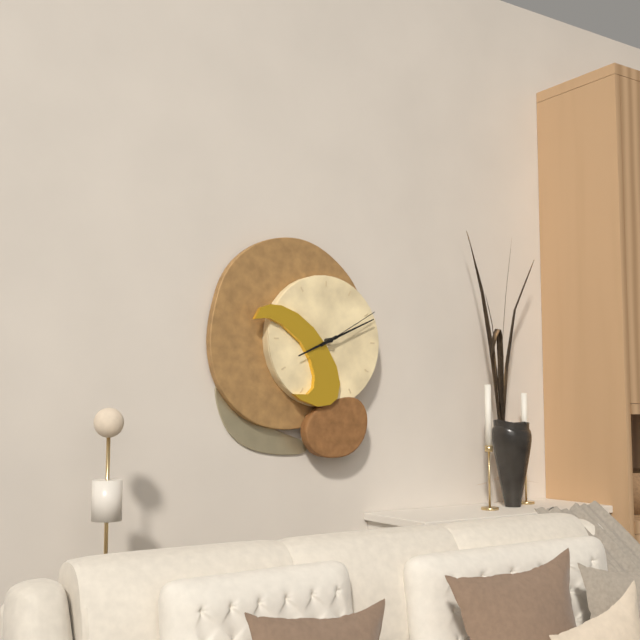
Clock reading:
8 h 11 min 10 s
